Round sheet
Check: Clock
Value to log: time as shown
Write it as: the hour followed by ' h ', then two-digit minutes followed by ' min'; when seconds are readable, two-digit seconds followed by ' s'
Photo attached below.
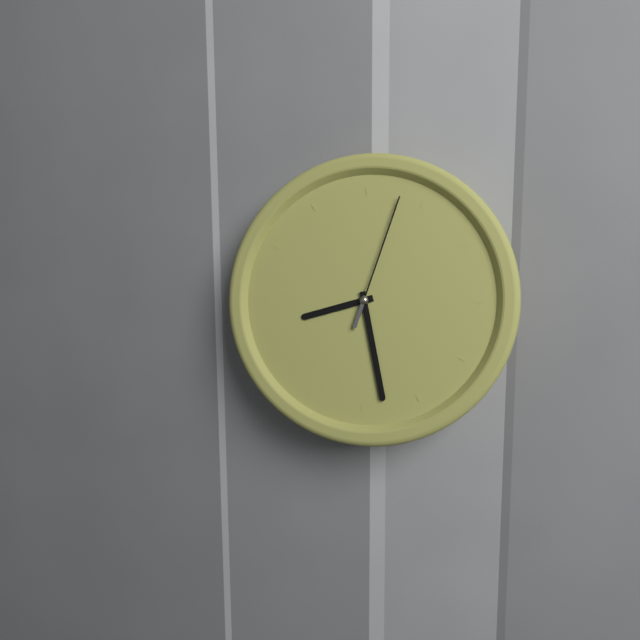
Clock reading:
8 h 28 min 03 s
